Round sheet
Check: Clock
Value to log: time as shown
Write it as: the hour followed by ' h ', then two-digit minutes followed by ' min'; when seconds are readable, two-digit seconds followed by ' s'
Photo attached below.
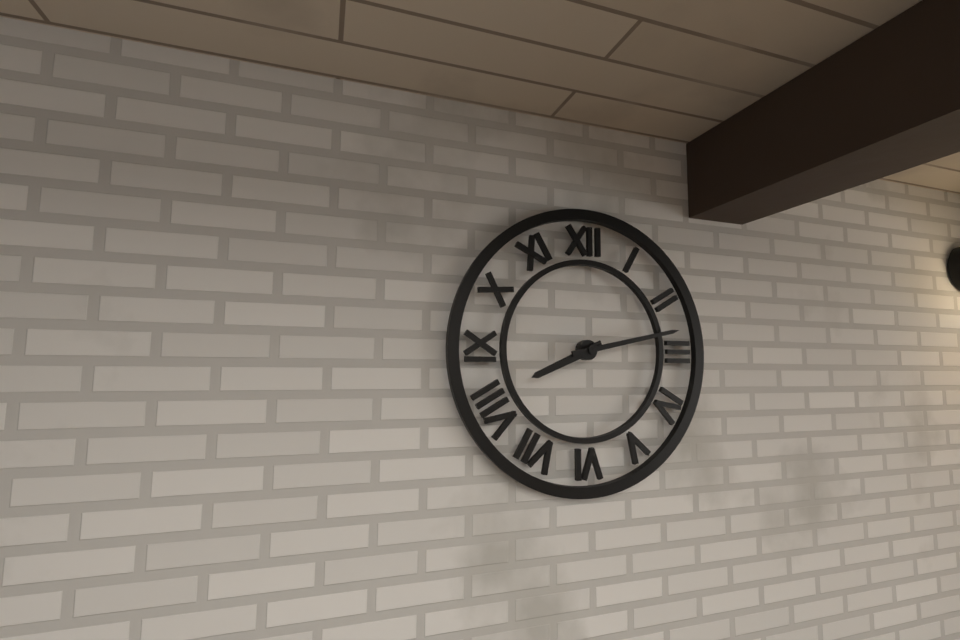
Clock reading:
8 h 13 min
